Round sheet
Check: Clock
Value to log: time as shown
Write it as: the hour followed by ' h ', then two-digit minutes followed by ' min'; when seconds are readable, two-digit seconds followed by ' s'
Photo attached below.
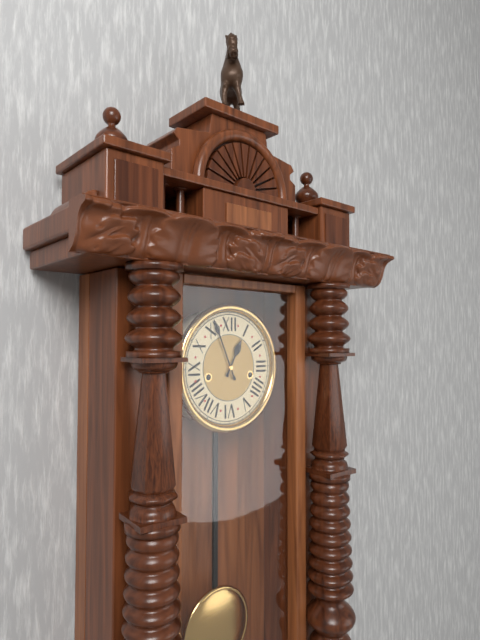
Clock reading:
12 h 56 min
